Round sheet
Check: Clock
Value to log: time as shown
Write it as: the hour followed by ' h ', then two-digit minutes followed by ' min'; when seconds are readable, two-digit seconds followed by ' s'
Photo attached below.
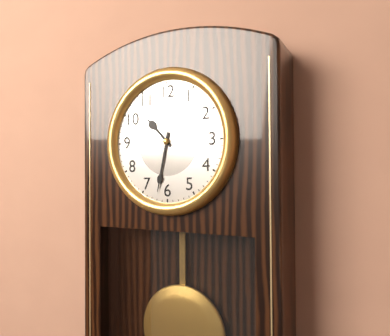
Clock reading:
10 h 32 min
